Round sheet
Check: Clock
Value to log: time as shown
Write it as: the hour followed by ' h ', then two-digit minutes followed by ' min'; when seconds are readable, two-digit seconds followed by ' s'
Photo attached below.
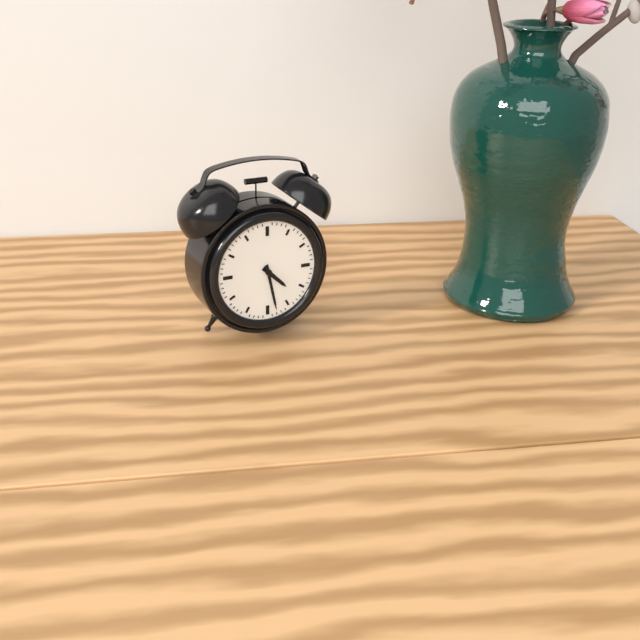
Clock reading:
4 h 28 min
